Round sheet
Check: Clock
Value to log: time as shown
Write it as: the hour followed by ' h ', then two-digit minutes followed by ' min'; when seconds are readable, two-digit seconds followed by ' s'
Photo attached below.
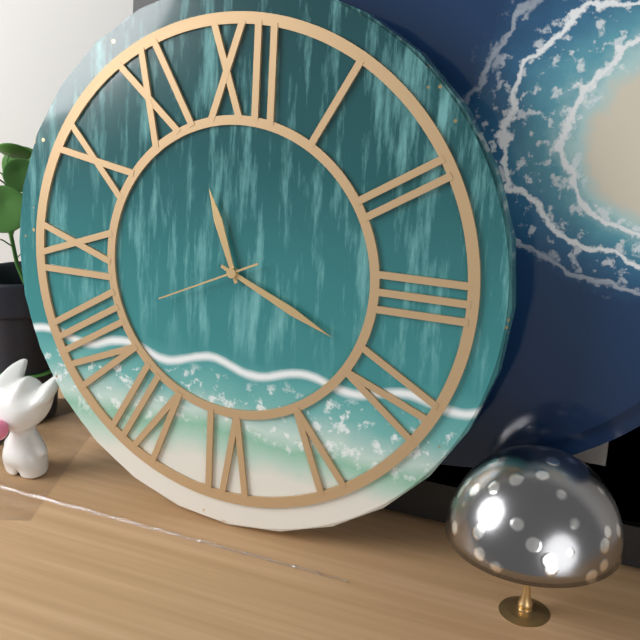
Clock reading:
11 h 19 min 41 s
